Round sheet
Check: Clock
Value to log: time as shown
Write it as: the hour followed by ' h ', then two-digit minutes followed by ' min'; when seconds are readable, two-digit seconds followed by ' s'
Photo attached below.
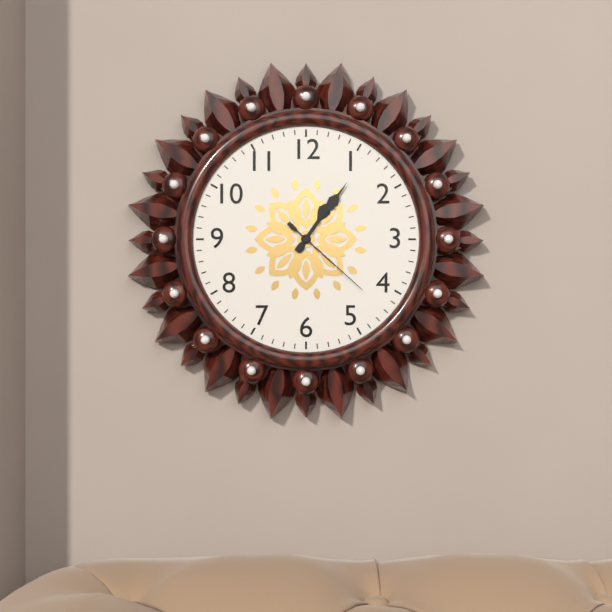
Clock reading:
1 h 06 min 22 s
